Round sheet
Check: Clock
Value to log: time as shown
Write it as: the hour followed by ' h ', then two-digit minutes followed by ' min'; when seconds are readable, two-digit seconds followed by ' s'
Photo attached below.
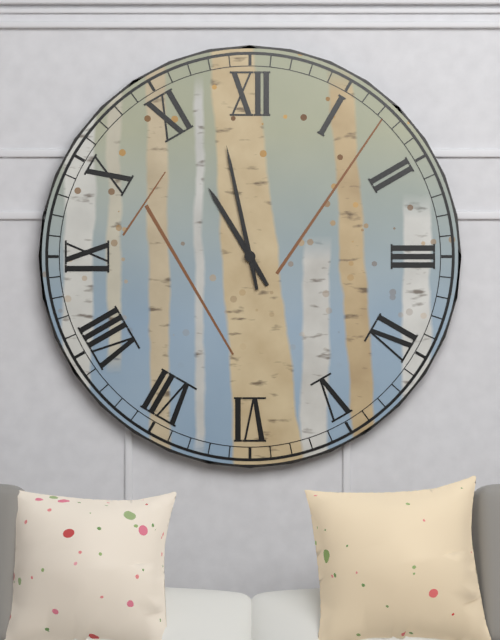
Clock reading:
10 h 58 min
